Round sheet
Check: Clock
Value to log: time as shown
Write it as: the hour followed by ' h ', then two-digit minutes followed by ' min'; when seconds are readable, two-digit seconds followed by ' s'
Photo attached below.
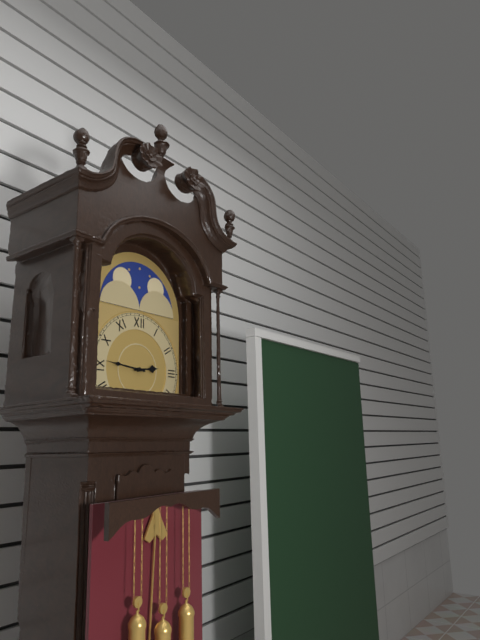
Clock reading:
2 h 46 min
